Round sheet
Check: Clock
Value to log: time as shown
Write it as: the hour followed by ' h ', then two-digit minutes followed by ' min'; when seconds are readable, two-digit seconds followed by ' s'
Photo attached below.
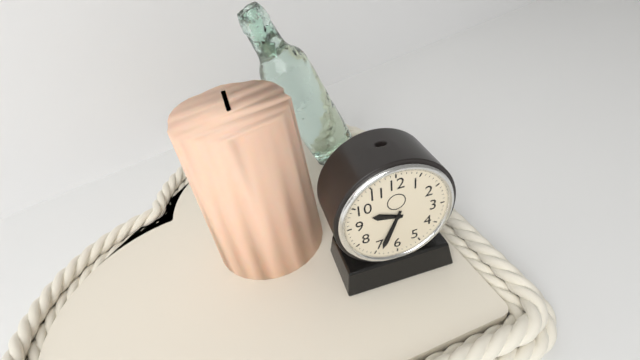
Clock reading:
9 h 34 min
